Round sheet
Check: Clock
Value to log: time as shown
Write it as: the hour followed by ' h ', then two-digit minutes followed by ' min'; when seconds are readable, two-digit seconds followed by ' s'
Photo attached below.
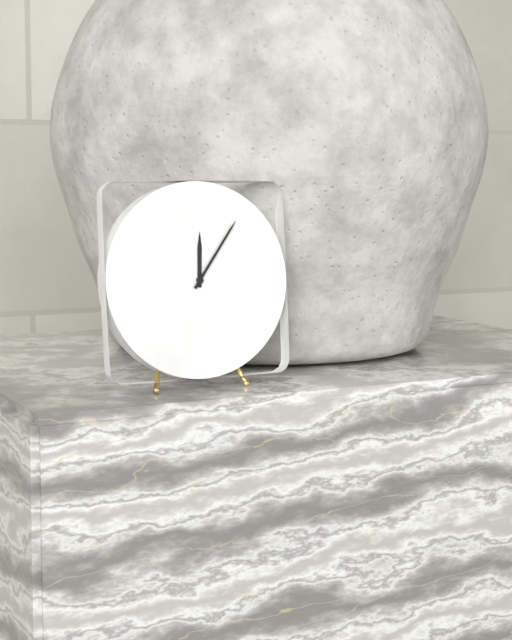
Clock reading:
12 h 06 min
